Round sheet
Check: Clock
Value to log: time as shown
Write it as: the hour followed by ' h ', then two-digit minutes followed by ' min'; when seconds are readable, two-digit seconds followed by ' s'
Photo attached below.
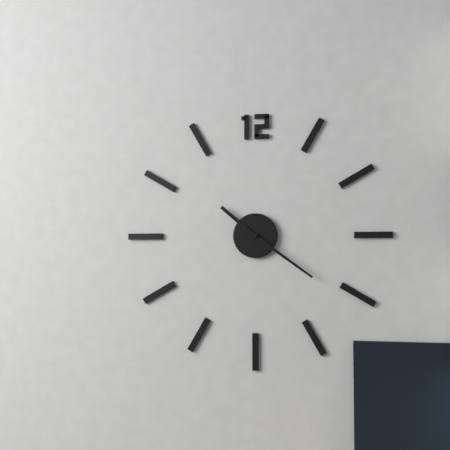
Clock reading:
10 h 21 min
